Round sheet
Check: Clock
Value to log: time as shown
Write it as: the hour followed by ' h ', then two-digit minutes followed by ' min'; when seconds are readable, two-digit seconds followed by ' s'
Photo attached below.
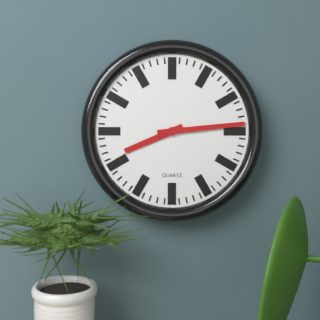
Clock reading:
8 h 14 min
